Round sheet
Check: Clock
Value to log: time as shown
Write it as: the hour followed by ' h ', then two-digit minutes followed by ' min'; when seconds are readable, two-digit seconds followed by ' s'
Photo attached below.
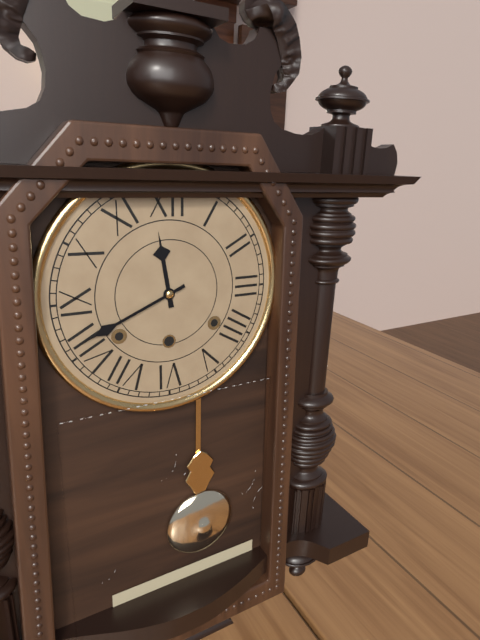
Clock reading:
11 h 41 min
